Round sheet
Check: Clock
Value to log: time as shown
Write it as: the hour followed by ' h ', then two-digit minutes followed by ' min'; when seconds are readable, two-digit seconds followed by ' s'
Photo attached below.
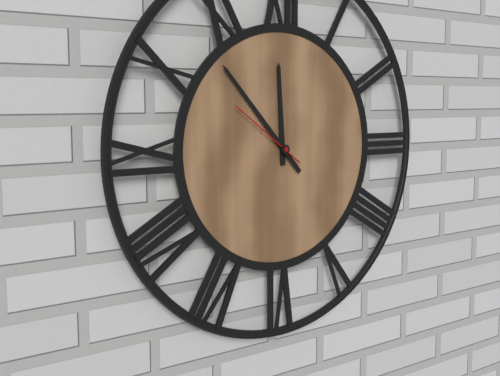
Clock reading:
11 h 53 min 51 s
